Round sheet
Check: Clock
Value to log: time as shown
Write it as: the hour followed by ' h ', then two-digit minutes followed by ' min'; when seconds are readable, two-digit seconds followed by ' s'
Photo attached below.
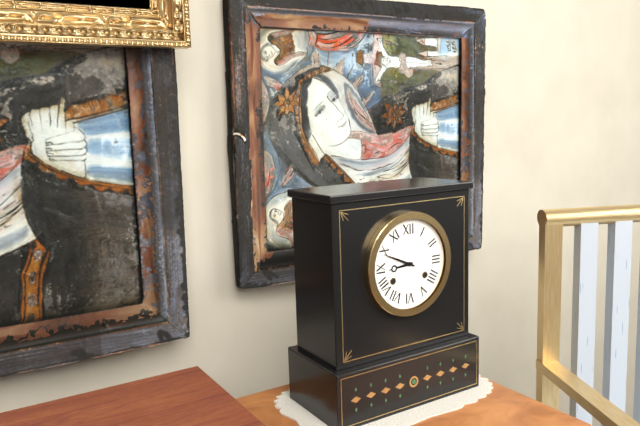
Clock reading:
8 h 49 min
